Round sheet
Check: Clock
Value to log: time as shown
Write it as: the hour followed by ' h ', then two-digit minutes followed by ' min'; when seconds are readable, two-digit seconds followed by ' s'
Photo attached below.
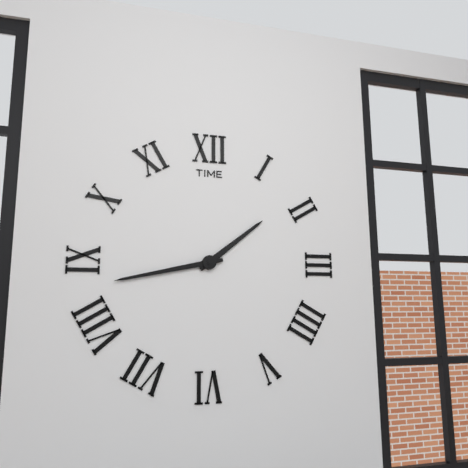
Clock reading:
1 h 43 min
